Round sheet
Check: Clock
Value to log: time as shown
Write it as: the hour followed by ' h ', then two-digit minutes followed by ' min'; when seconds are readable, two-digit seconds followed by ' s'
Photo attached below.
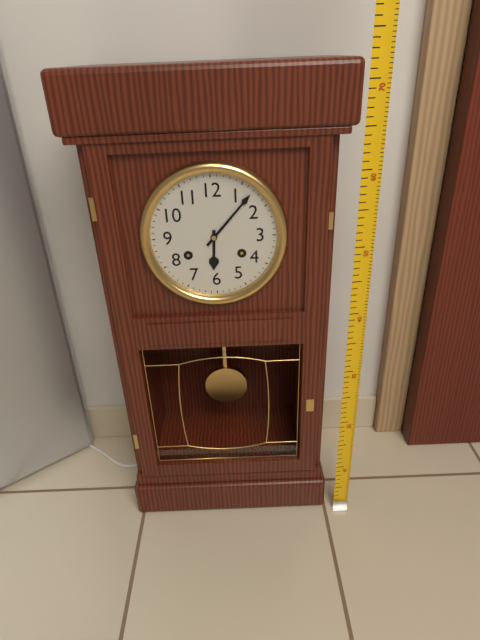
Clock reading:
6 h 07 min
